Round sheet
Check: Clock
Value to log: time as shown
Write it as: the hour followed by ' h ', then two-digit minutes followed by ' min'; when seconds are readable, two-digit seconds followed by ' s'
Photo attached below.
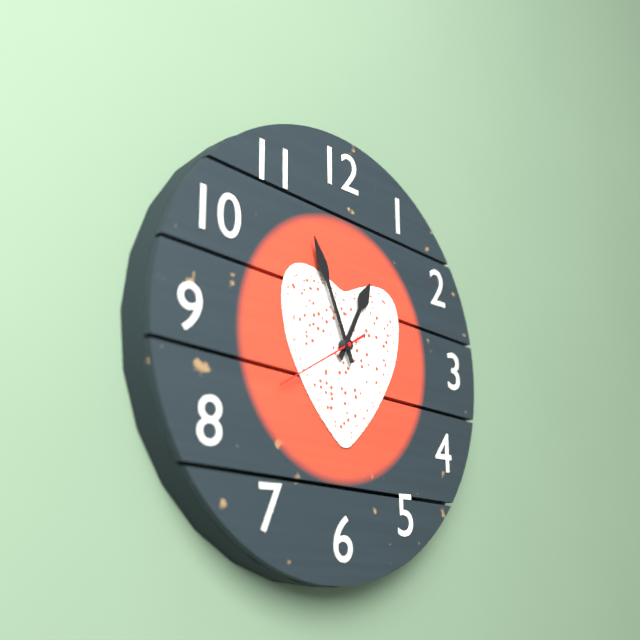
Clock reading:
12 h 56 min 40 s
